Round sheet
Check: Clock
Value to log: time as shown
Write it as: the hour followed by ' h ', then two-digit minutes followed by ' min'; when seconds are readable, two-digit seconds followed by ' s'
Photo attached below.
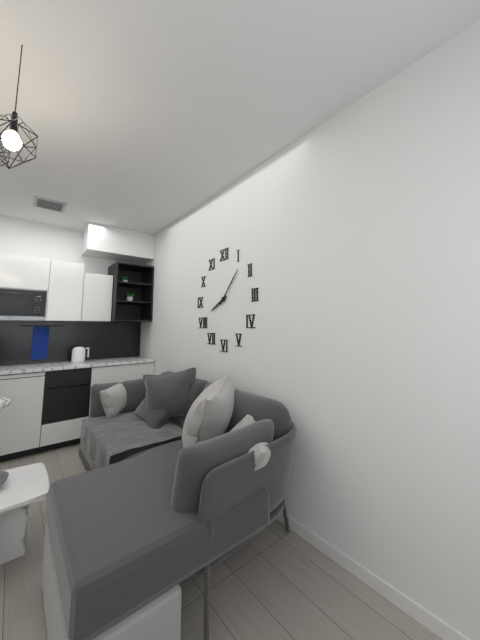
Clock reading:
8 h 07 min
